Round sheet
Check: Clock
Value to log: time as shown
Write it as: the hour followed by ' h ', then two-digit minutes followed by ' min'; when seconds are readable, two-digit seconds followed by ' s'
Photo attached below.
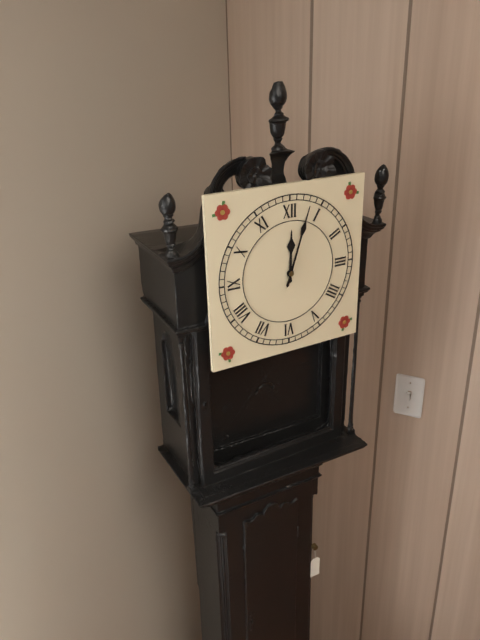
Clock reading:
12 h 03 min
